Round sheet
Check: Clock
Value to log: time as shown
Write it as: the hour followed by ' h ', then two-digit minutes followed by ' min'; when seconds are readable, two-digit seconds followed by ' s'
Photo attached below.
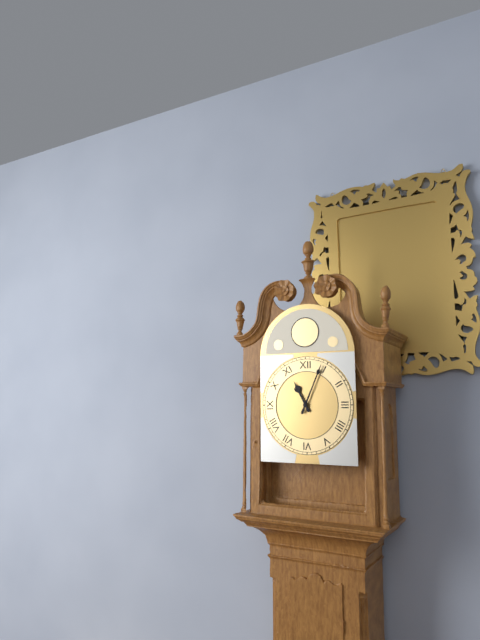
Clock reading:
11 h 04 min
